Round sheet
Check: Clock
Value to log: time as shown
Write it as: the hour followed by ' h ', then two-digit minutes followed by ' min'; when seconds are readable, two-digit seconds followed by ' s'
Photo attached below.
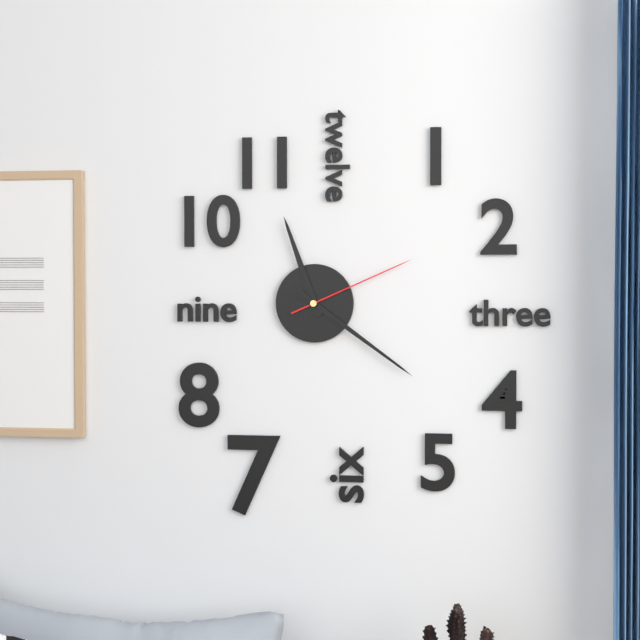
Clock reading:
11 h 21 min 11 s
